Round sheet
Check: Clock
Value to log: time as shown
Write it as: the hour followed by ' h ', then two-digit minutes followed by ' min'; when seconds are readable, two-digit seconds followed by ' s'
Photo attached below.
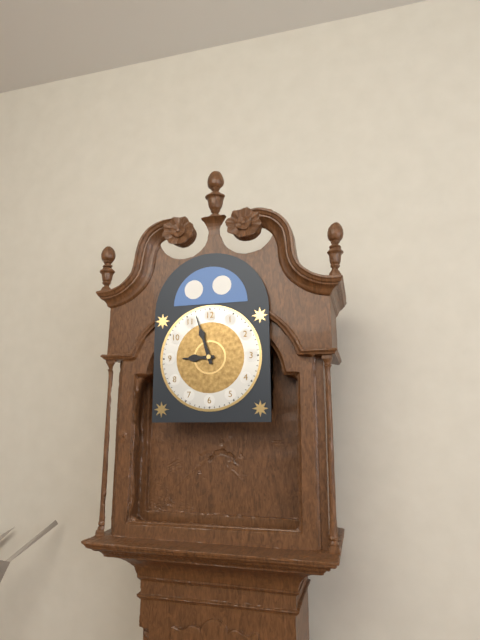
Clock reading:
8 h 57 min
